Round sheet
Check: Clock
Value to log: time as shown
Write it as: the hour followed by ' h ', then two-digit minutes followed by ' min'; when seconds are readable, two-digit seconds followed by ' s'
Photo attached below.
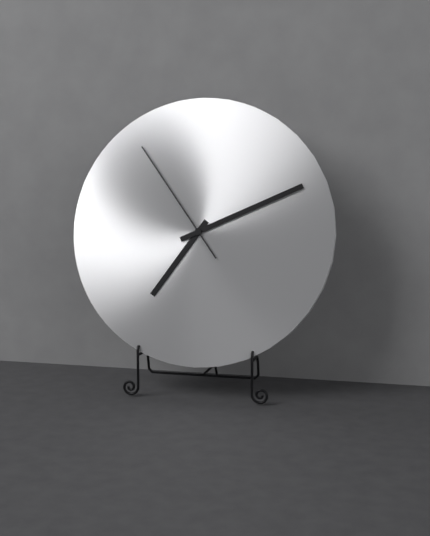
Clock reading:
7 h 11 min 54 s
